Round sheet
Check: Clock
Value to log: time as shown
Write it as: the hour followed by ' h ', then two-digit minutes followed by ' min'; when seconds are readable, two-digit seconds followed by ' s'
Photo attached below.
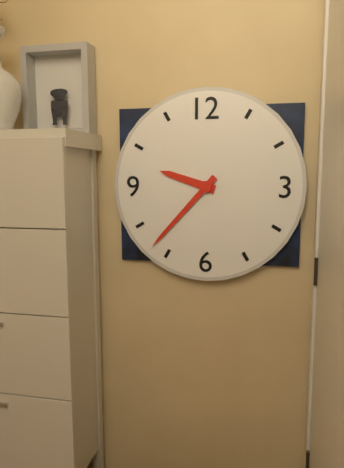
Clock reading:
9 h 37 min
